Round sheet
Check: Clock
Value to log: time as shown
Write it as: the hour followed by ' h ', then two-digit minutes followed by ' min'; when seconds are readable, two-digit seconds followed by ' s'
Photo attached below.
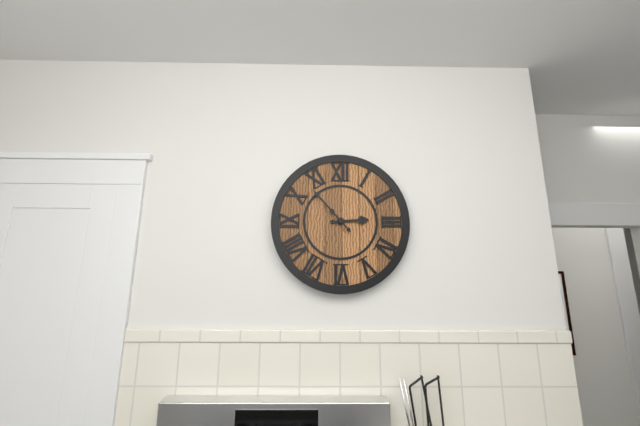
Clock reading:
2 h 53 min
